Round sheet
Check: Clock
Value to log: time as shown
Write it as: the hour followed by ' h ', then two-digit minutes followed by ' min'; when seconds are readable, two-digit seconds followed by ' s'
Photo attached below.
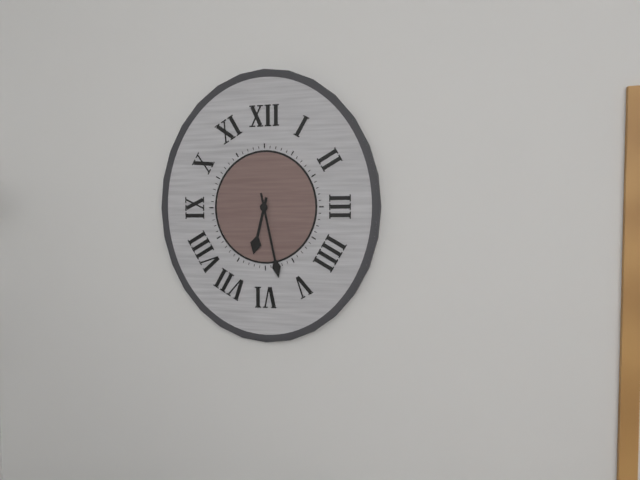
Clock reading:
6 h 28 min
